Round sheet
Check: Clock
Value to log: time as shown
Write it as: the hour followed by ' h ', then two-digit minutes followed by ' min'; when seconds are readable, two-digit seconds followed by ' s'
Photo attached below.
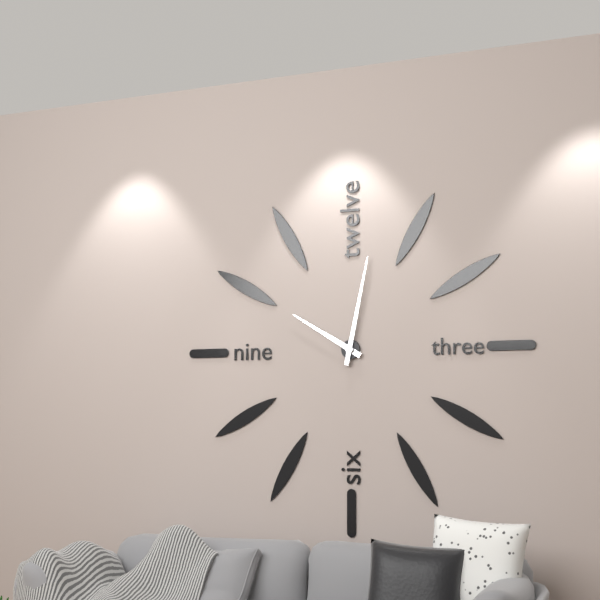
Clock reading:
10 h 02 min
